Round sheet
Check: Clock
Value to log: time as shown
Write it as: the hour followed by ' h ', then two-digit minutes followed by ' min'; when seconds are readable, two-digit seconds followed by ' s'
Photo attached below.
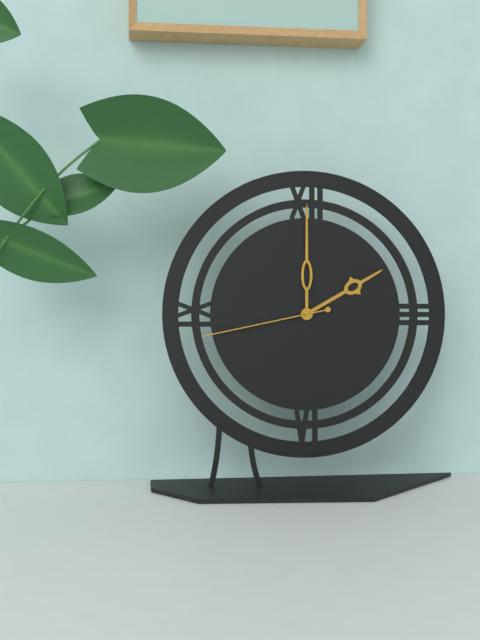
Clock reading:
2 h 00 min 43 s
